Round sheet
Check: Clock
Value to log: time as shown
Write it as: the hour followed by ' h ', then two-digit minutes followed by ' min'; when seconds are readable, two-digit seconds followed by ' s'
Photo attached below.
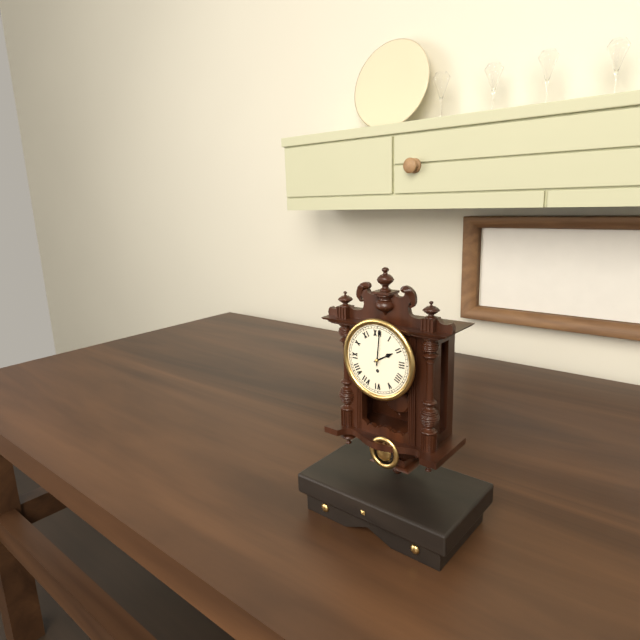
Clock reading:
2 h 01 min
